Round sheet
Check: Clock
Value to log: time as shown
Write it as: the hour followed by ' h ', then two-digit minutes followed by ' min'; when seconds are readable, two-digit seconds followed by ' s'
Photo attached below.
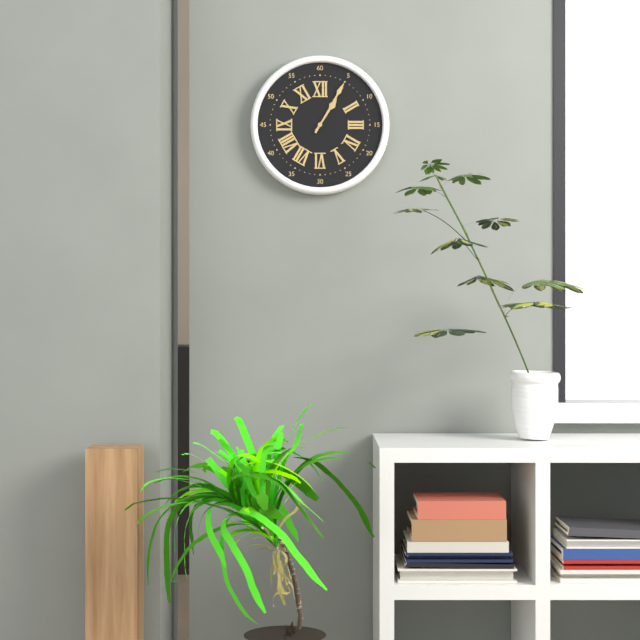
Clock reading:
1 h 05 min
